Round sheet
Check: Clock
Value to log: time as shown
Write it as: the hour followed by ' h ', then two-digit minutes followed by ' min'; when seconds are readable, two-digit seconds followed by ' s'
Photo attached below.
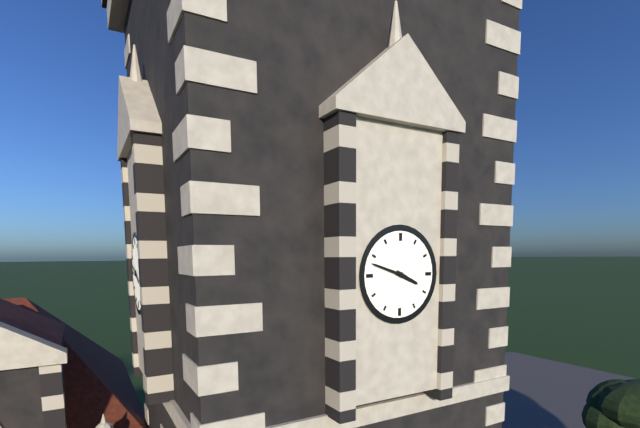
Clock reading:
3 h 48 min
